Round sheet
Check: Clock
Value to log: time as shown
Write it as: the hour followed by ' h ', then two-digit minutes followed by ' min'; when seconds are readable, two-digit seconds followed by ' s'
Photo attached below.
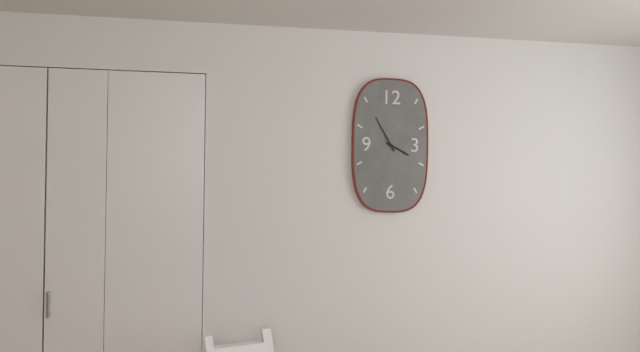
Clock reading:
3 h 55 min
